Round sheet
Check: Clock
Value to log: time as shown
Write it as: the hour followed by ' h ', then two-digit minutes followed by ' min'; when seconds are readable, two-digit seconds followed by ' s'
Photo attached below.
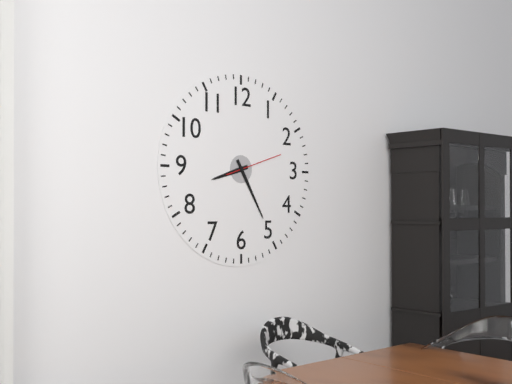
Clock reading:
8 h 25 min 12 s
